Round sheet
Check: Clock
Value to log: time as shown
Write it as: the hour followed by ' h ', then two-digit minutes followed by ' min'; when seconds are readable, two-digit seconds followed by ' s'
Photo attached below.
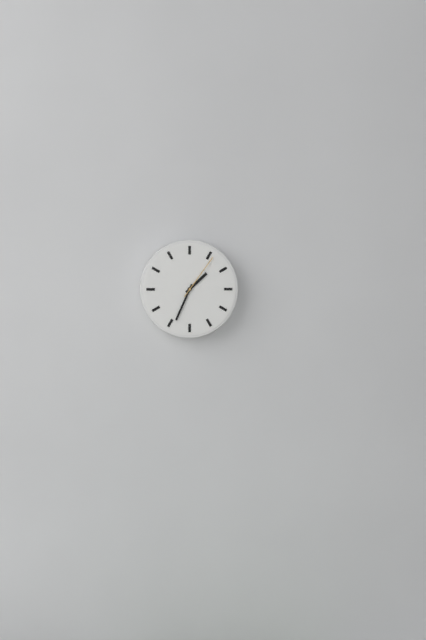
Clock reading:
1 h 34 min
